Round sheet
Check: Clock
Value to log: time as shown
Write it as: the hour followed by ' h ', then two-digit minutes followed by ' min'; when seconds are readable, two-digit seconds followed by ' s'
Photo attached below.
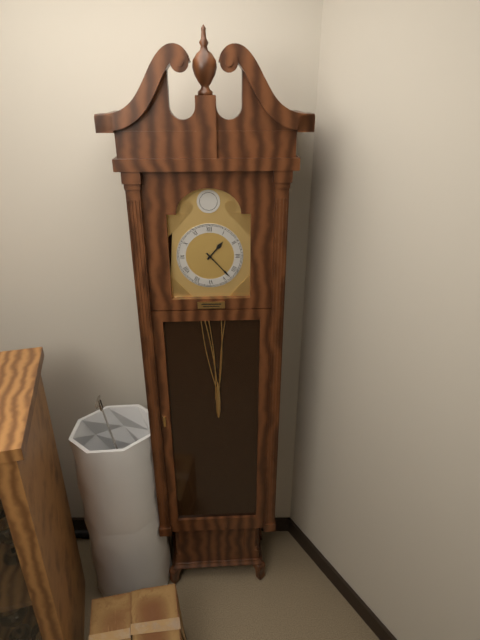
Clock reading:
1 h 23 min
